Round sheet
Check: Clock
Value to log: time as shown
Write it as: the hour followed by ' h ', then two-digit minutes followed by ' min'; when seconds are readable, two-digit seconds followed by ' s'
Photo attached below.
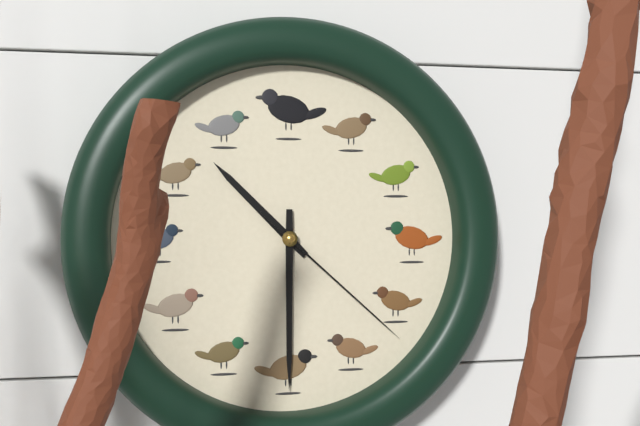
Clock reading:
10 h 30 min 22 s
